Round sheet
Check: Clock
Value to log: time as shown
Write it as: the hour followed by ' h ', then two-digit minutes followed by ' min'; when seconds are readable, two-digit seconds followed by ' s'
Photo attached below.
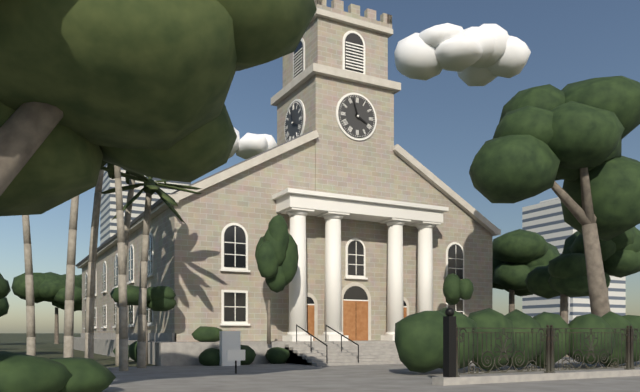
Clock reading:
3 h 57 min
